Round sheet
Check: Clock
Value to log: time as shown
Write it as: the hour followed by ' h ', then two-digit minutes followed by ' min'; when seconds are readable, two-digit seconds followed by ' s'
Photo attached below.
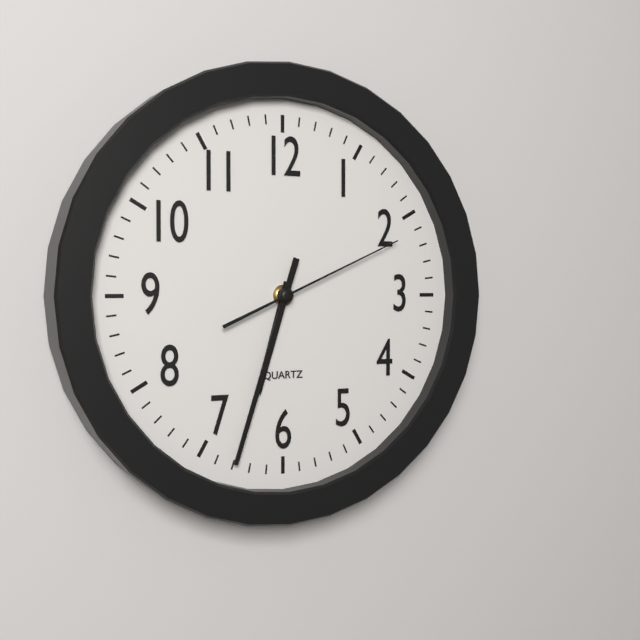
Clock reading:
6 h 33 min 11 s
